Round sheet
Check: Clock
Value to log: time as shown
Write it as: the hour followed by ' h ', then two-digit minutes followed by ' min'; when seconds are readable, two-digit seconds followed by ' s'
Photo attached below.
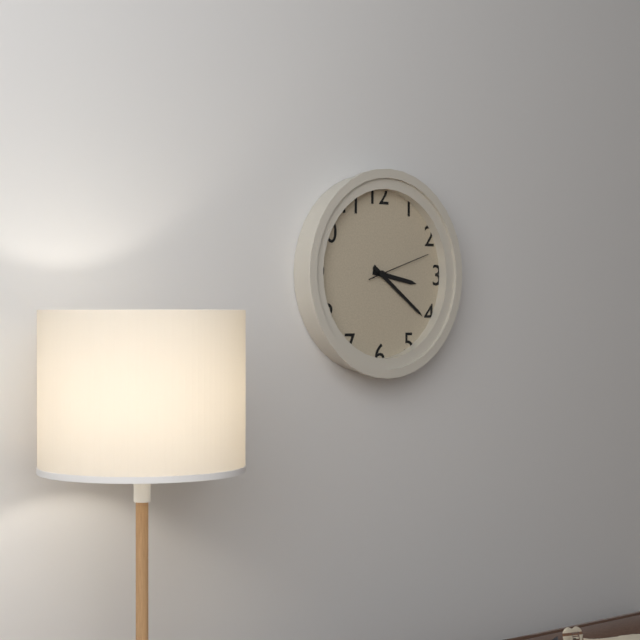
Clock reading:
3 h 21 min 12 s
